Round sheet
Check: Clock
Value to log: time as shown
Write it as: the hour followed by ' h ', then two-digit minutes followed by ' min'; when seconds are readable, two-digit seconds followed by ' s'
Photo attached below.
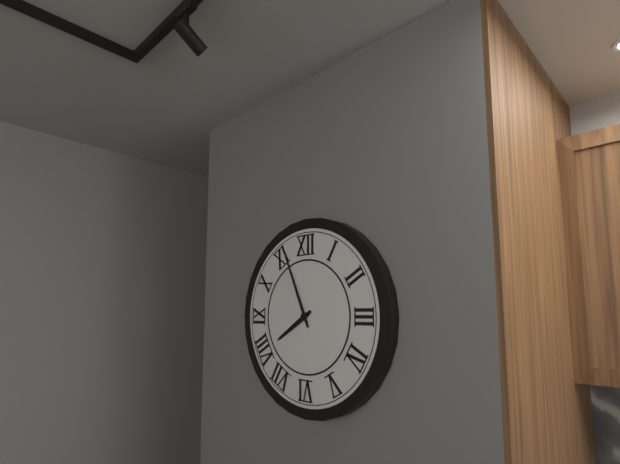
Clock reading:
7 h 56 min
